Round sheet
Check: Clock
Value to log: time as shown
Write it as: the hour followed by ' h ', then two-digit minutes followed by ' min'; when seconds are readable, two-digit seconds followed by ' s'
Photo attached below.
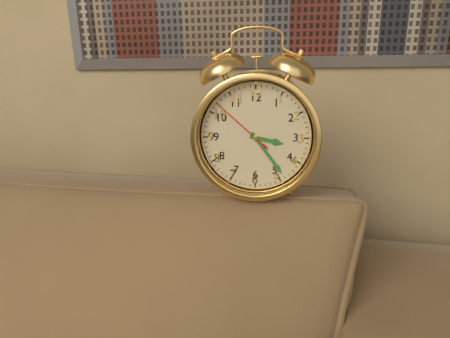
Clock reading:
3 h 24 min 52 s
